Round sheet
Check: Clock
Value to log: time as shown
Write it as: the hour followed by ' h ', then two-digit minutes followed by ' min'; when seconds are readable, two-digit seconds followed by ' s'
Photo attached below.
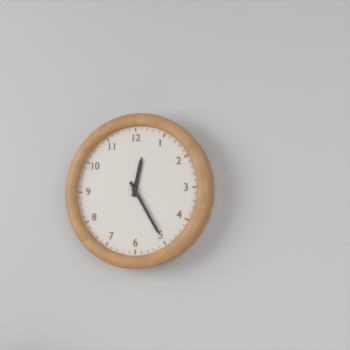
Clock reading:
12 h 25 min
